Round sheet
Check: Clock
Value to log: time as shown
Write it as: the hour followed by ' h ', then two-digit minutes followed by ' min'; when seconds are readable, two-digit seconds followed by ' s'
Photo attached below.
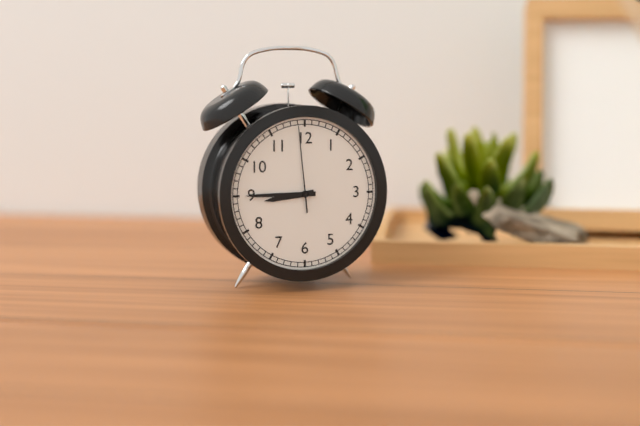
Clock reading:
8 h 45 min 59 s
